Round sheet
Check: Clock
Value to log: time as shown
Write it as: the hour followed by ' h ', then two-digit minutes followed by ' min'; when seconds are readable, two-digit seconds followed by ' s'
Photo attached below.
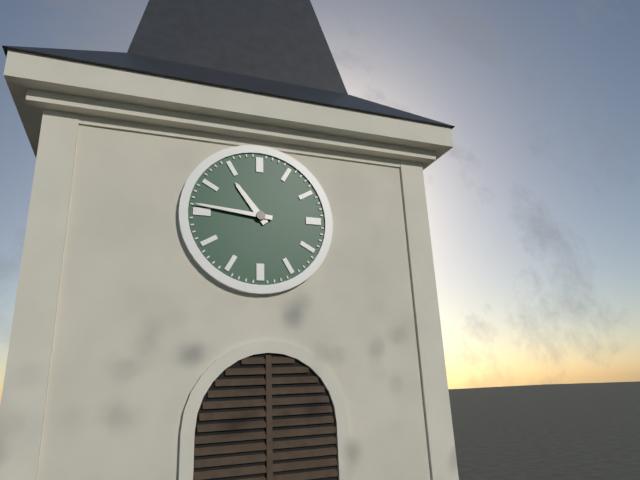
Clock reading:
10 h 46 min
